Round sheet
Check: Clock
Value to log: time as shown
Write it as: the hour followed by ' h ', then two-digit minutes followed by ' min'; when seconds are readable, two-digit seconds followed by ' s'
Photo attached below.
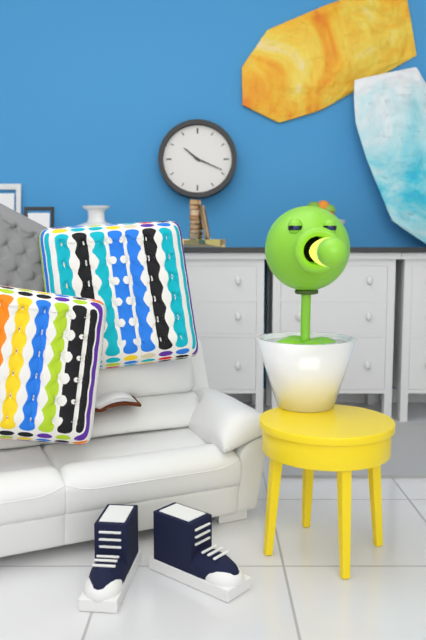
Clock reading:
10 h 19 min
